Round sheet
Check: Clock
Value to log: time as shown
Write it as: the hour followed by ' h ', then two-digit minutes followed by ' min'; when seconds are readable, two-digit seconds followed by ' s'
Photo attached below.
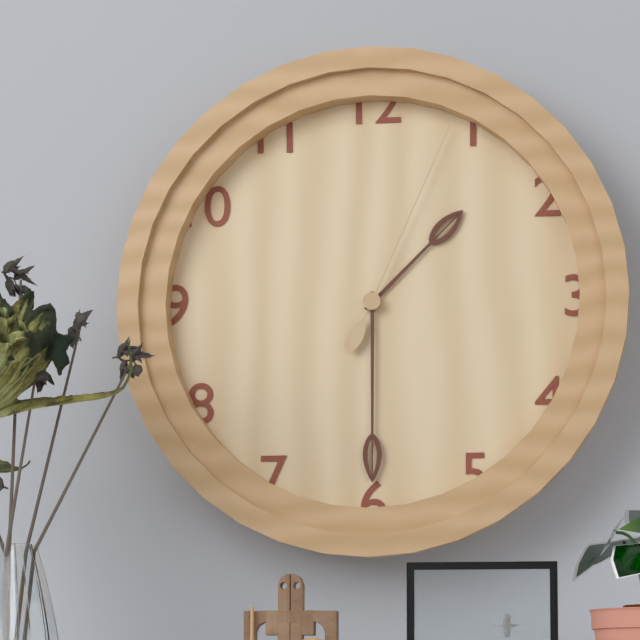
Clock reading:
1 h 30 min 04 s
